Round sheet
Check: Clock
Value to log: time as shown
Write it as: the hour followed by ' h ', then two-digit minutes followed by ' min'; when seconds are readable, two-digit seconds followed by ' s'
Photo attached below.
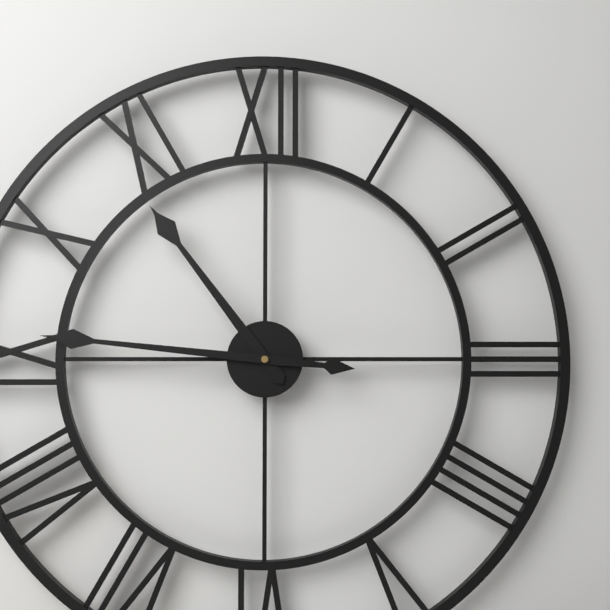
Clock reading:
10 h 46 min
